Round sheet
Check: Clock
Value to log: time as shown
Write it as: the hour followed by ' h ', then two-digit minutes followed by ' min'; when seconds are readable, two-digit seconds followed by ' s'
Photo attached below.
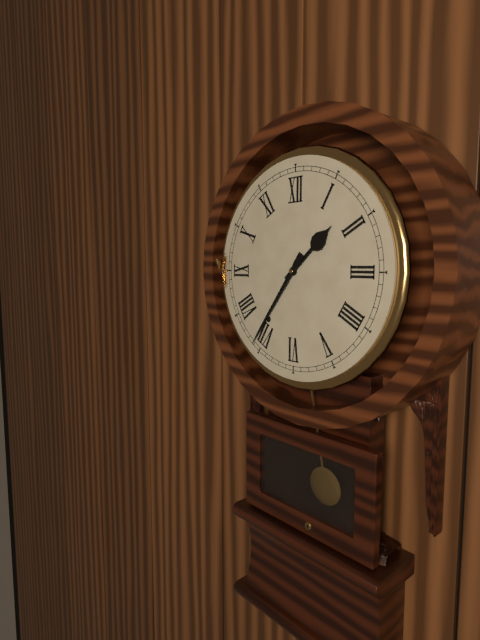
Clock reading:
1 h 36 min
